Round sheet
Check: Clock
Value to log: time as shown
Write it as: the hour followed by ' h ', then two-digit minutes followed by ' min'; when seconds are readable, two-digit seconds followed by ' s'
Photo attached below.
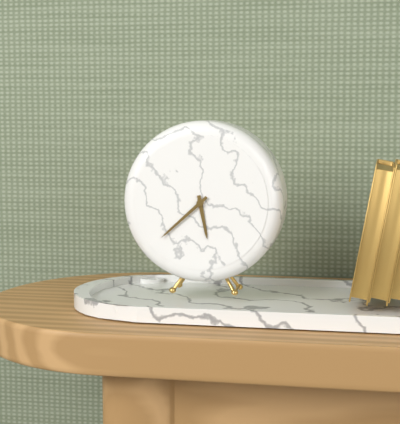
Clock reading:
5 h 38 min
